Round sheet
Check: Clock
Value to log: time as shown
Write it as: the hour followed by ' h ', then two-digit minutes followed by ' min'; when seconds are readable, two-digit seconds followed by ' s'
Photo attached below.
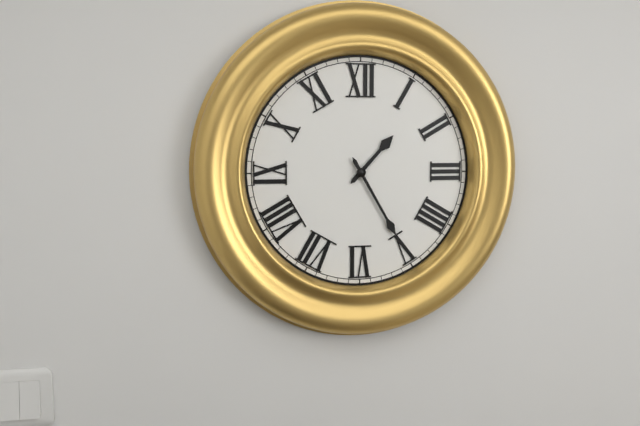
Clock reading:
1 h 25 min
